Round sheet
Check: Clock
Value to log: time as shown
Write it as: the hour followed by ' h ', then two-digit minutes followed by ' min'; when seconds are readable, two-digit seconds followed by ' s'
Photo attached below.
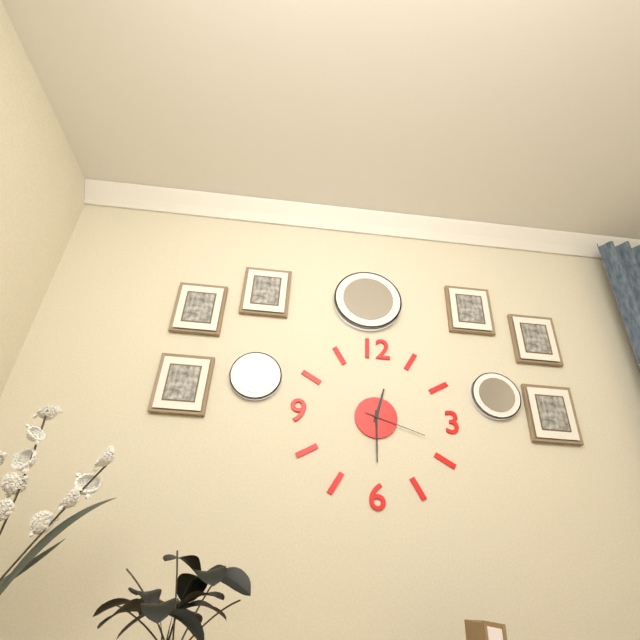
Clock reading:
12 h 30 min 18 s
